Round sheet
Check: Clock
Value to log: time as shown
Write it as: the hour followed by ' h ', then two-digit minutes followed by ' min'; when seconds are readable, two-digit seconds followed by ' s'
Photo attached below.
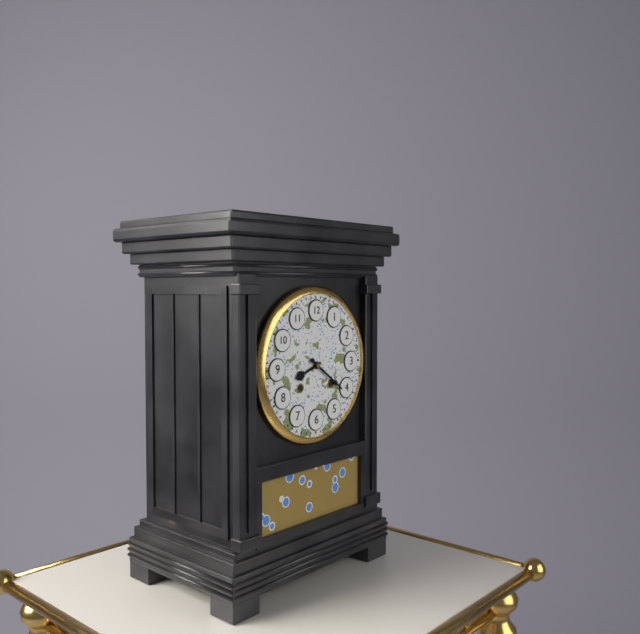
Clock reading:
8 h 21 min
